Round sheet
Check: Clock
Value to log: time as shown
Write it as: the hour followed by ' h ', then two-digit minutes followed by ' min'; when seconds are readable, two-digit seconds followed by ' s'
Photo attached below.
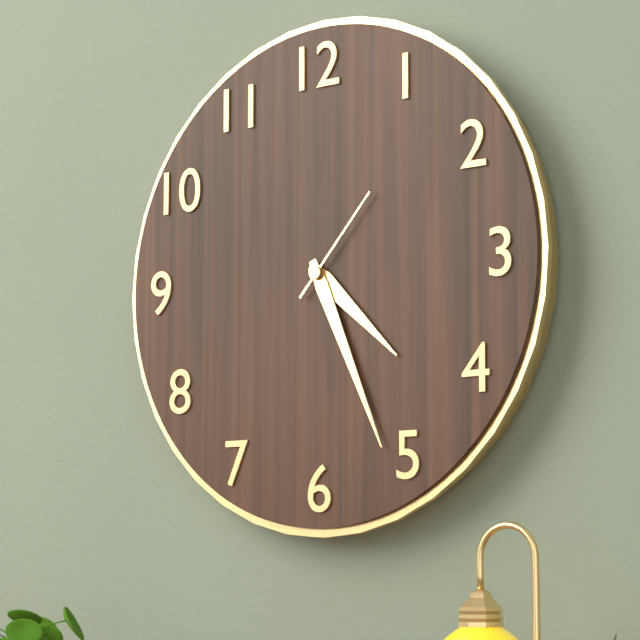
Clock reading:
4 h 26 min 07 s
